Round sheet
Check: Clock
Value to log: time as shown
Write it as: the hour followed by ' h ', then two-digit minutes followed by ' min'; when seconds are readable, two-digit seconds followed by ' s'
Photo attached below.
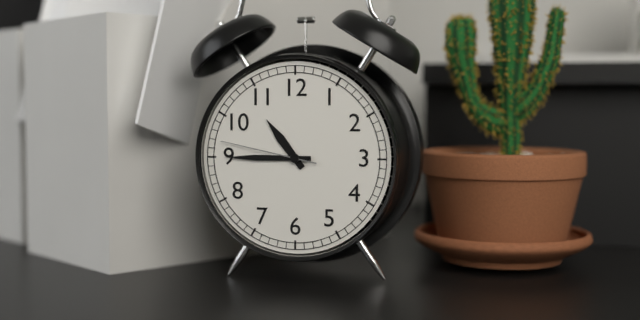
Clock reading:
10 h 45 min 47 s
